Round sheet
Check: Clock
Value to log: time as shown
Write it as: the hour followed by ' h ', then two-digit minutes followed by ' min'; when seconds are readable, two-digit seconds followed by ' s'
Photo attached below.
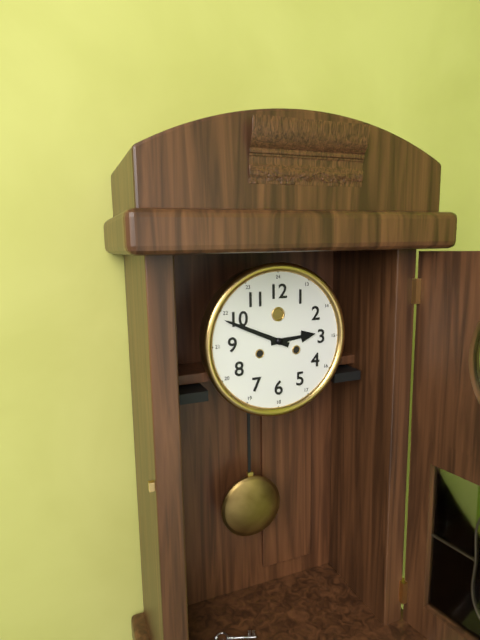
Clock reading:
2 h 49 min
